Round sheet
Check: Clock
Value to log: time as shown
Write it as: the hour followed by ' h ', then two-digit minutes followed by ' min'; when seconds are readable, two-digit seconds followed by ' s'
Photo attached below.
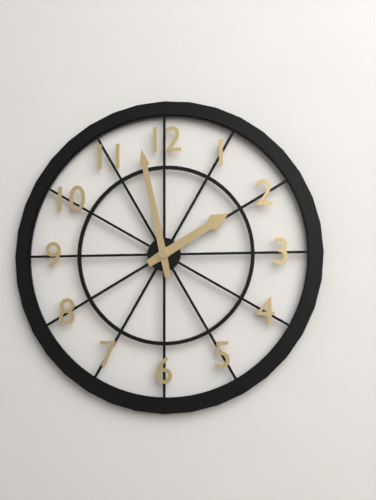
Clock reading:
1 h 58 min
